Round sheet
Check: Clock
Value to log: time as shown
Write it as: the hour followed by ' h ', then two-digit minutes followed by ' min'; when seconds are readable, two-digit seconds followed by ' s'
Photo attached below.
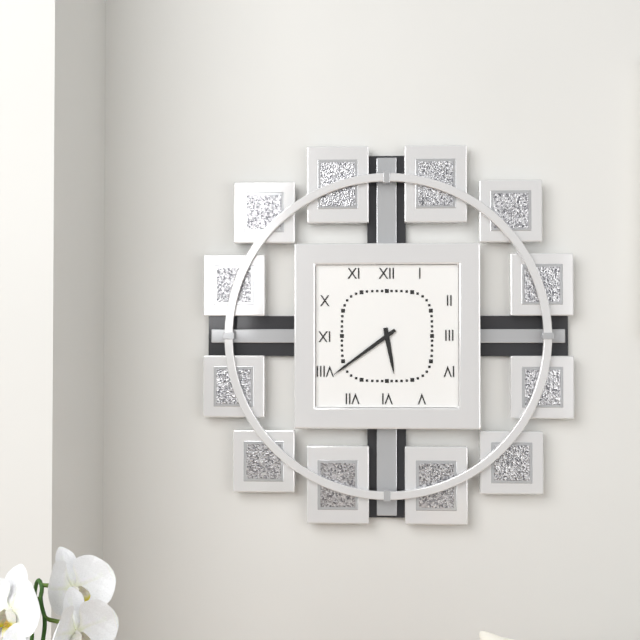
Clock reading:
5 h 39 min
